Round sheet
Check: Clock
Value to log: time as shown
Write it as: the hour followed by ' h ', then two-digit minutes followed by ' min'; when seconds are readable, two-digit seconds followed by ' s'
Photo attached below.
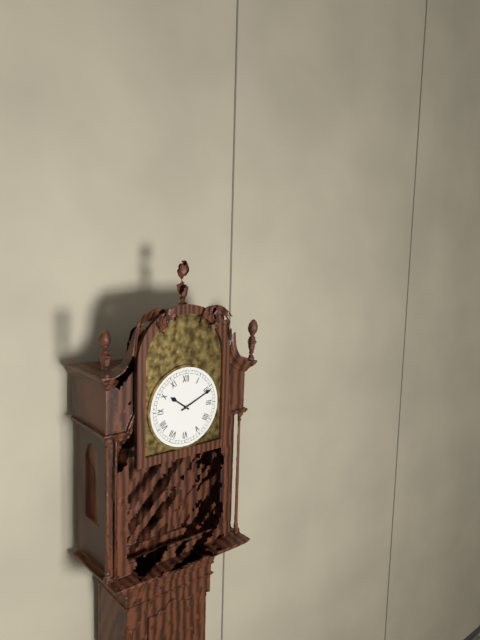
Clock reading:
10 h 11 min
